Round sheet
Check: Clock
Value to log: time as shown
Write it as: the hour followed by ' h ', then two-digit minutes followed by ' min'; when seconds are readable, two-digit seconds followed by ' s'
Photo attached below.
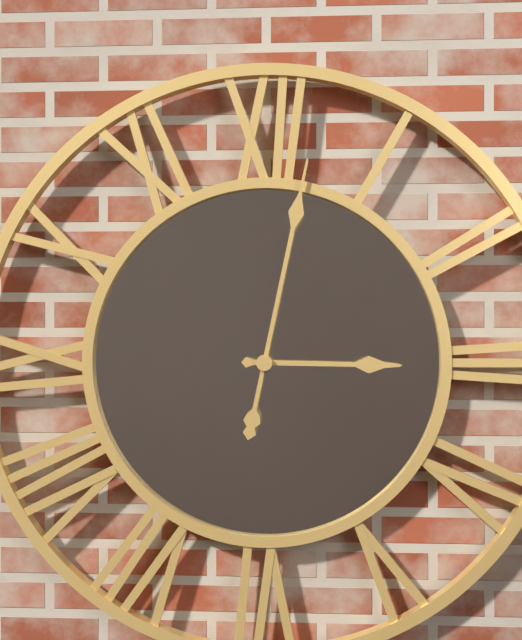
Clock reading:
3 h 02 min
